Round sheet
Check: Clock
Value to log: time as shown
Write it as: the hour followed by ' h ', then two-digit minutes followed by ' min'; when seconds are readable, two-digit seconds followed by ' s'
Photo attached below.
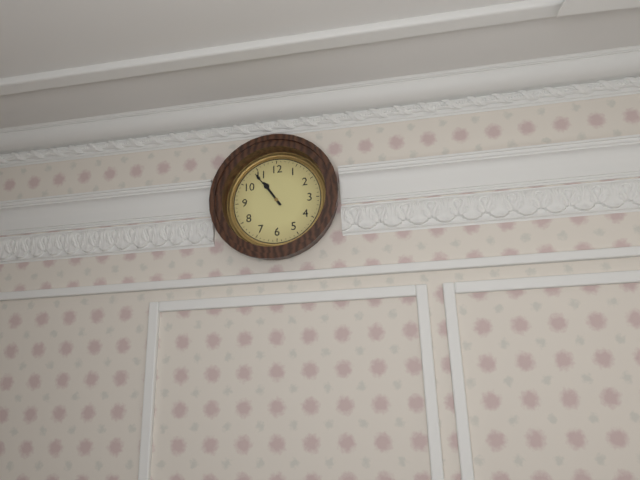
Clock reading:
10 h 54 min
